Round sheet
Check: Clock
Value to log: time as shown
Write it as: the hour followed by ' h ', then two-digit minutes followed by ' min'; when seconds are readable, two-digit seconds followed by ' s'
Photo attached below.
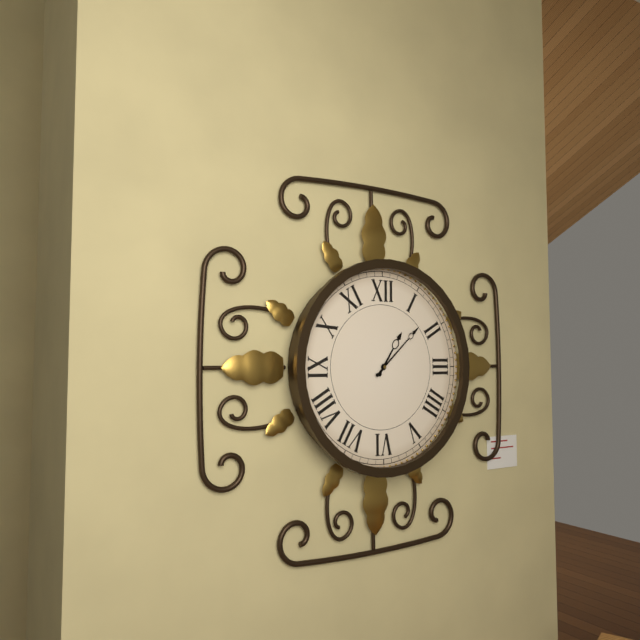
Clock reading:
1 h 08 min
